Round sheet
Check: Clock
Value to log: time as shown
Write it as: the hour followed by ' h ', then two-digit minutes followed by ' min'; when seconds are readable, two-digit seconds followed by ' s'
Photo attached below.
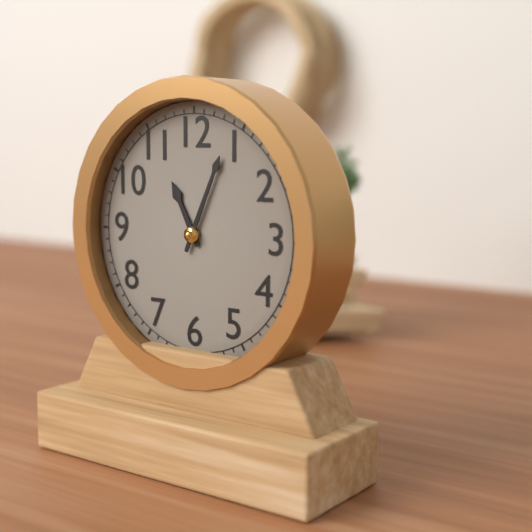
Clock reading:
11 h 04 min
